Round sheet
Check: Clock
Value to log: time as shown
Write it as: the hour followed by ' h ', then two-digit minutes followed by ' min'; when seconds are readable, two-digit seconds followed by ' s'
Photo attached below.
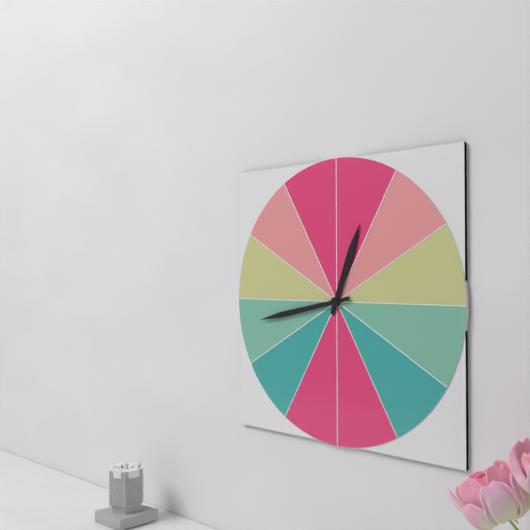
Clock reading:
12 h 43 min
